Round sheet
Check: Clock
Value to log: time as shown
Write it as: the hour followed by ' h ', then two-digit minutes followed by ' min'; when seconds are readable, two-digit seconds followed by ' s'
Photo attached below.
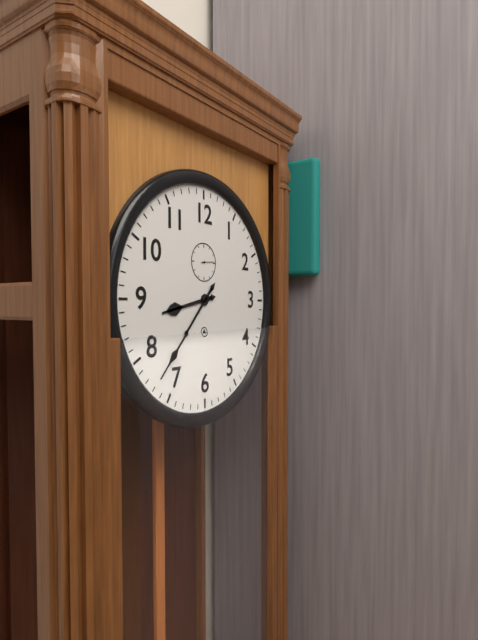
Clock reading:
8 h 37 min
